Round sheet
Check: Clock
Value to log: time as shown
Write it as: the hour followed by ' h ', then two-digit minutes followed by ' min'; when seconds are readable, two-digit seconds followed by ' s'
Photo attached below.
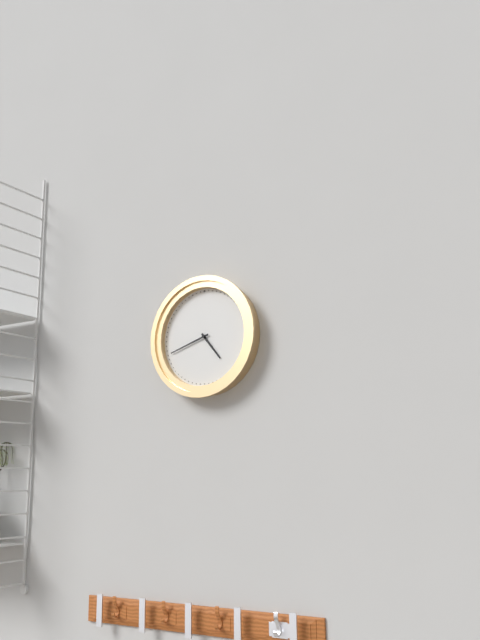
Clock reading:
4 h 42 min
